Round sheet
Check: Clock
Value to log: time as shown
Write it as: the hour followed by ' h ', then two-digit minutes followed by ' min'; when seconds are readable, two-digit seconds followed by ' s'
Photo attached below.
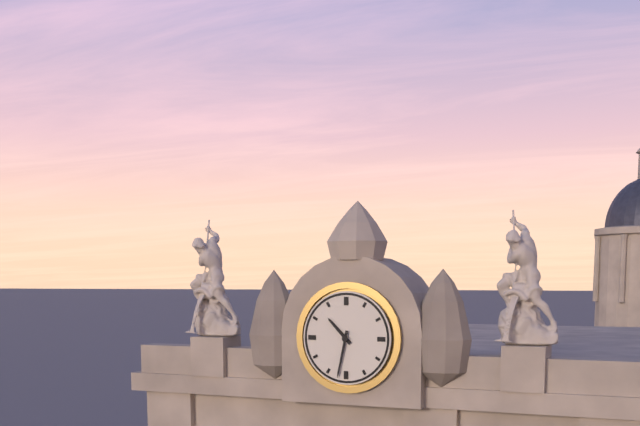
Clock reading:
10 h 32 min
